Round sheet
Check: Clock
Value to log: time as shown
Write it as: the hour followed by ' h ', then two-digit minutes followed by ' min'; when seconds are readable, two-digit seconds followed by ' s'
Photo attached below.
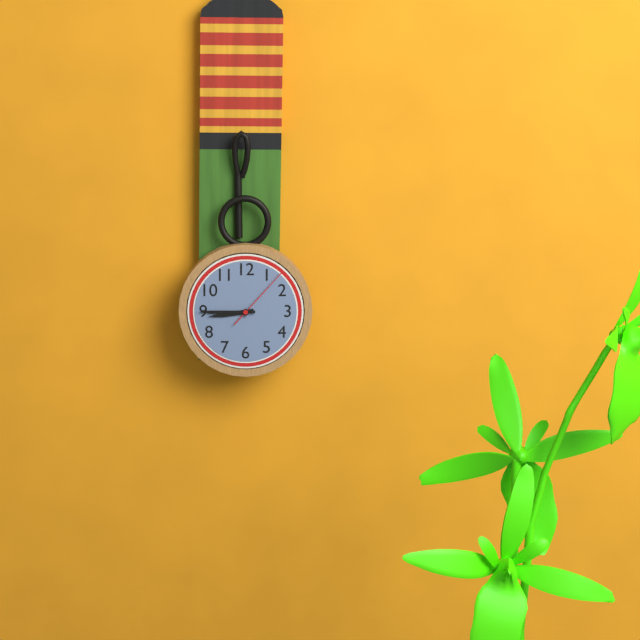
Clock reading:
8 h 45 min 07 s
